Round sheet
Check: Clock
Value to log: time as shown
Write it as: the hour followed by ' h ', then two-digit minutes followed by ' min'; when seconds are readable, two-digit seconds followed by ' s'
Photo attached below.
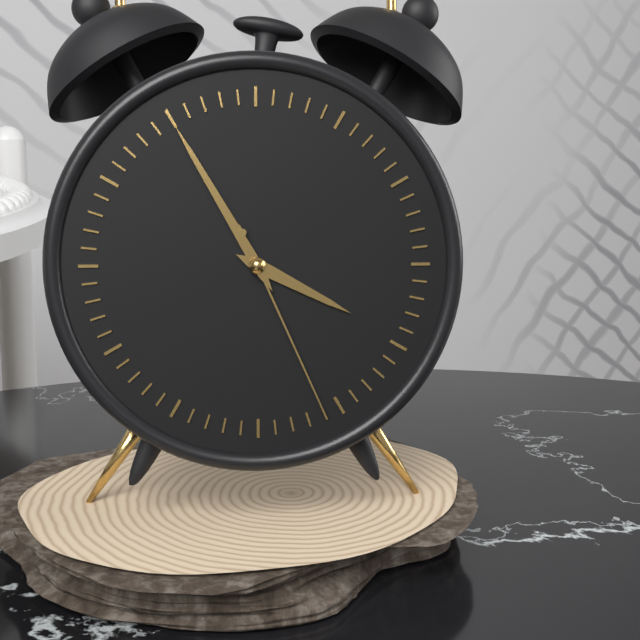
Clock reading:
3 h 55 min 26 s
